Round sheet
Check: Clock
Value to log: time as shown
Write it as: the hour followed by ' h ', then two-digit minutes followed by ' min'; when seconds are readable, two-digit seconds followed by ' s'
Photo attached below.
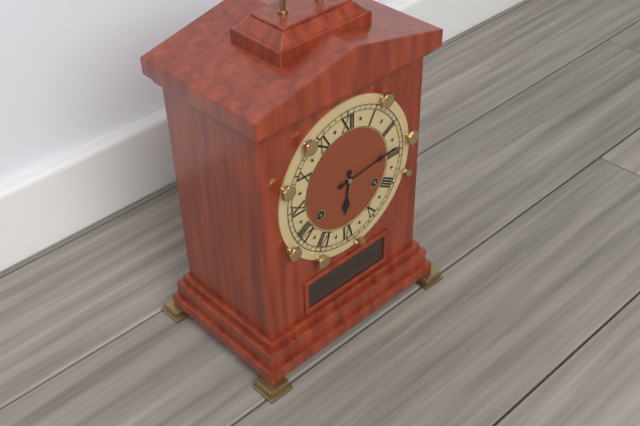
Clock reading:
6 h 14 min
